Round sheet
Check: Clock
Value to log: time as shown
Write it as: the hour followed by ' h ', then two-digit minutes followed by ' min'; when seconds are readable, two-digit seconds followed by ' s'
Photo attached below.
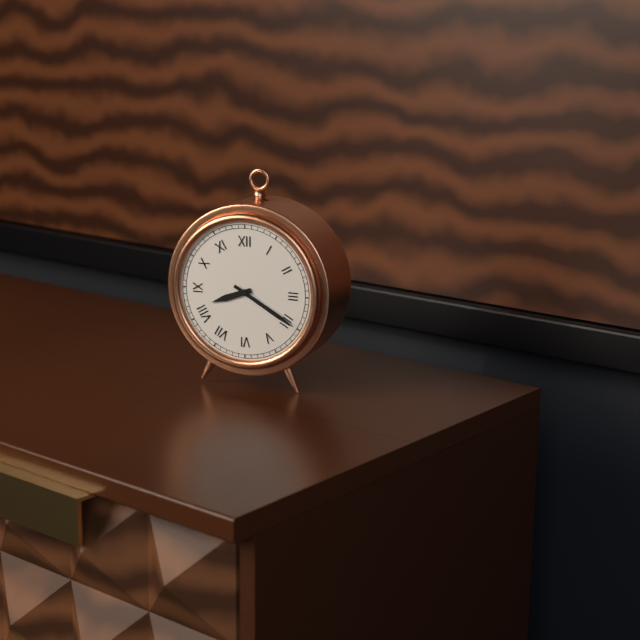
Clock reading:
8 h 20 min
